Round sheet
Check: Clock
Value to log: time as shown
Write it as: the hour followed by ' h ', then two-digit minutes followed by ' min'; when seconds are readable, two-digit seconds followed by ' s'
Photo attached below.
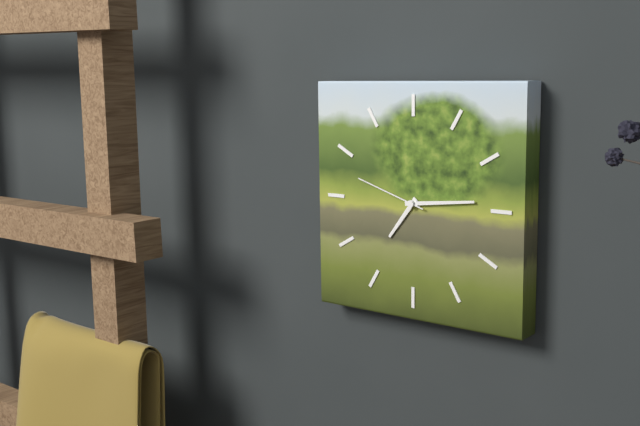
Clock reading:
7 h 14 min 48 s
